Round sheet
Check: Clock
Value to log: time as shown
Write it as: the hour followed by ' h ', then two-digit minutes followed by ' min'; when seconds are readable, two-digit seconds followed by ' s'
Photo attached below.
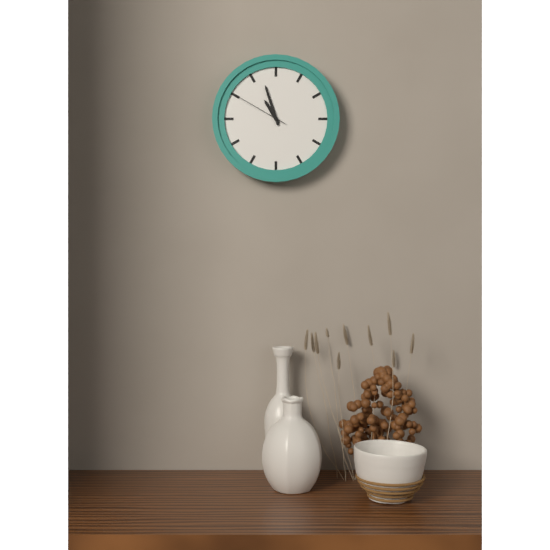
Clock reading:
10 h 57 min 50 s
